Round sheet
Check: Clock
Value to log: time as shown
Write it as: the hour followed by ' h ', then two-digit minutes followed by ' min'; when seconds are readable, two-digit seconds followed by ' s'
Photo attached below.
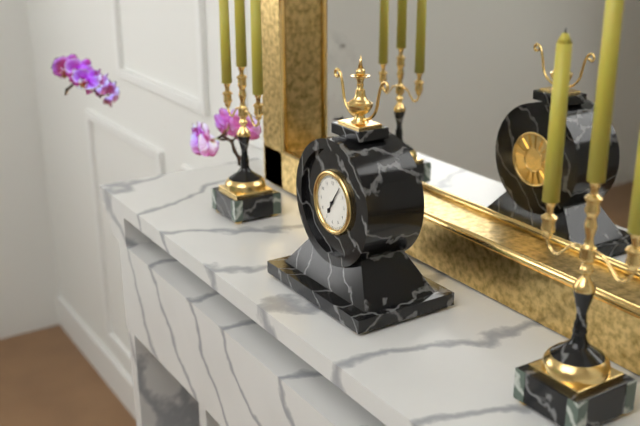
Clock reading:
7 h 06 min
